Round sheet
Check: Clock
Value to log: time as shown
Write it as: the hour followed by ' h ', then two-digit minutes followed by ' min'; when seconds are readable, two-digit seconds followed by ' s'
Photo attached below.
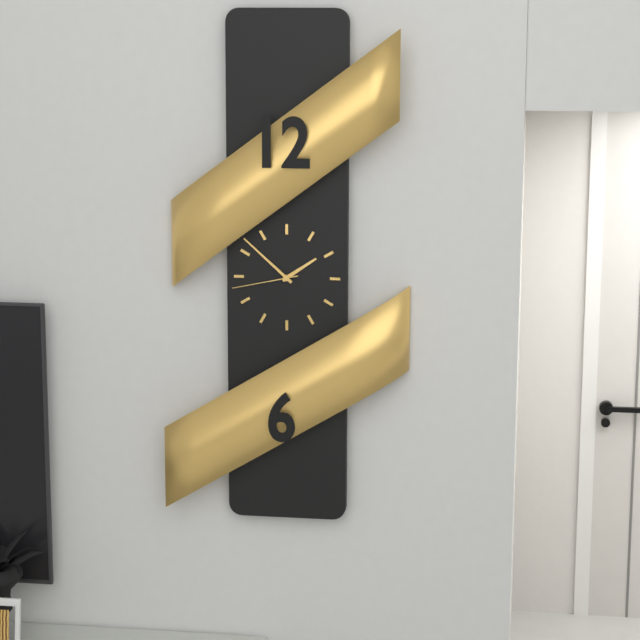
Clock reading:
1 h 52 min 43 s
